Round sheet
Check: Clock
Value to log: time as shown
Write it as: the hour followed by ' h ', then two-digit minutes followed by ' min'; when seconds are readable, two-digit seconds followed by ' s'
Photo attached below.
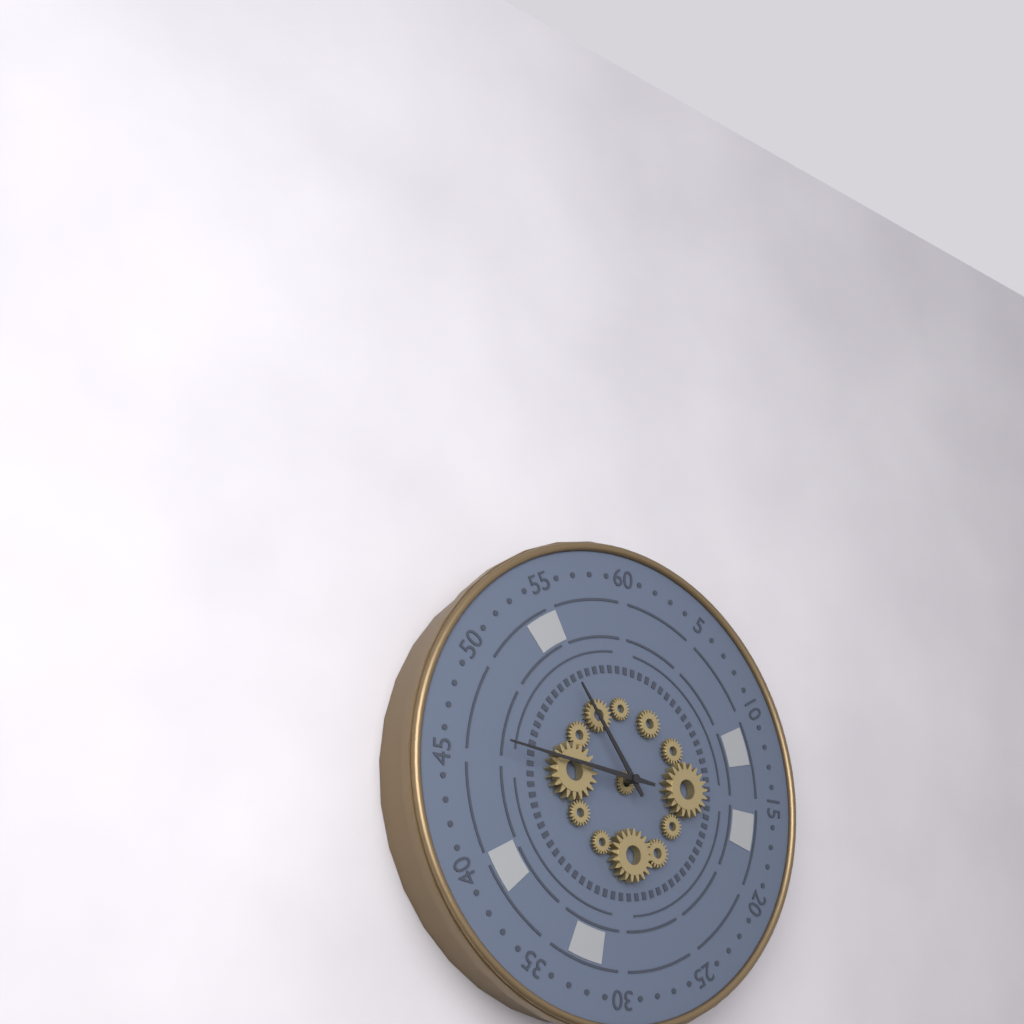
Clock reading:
10 h 46 min
